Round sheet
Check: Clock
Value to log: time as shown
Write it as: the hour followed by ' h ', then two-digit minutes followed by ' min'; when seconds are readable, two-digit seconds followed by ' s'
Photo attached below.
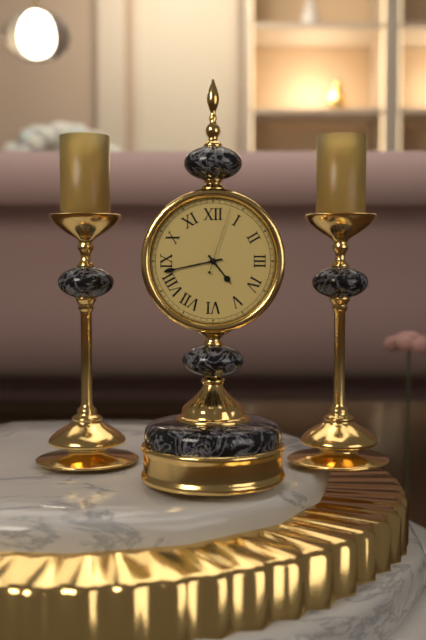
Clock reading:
4 h 43 min 03 s
